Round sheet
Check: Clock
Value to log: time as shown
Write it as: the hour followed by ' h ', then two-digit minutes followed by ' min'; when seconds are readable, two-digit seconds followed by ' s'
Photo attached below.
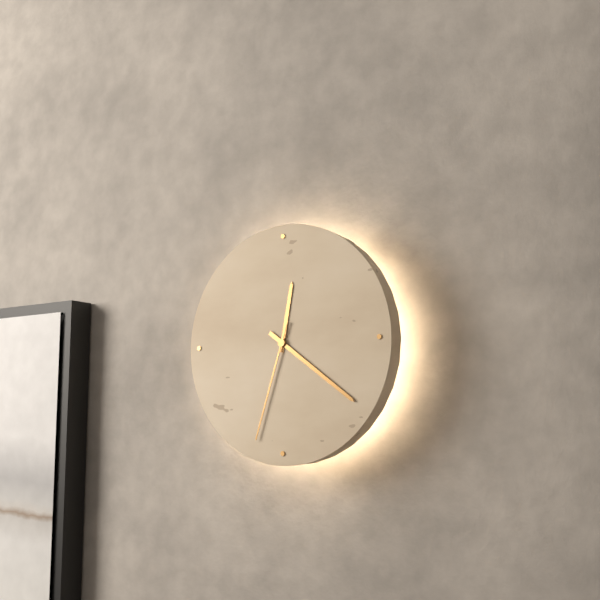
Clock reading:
12 h 21 min 33 s
